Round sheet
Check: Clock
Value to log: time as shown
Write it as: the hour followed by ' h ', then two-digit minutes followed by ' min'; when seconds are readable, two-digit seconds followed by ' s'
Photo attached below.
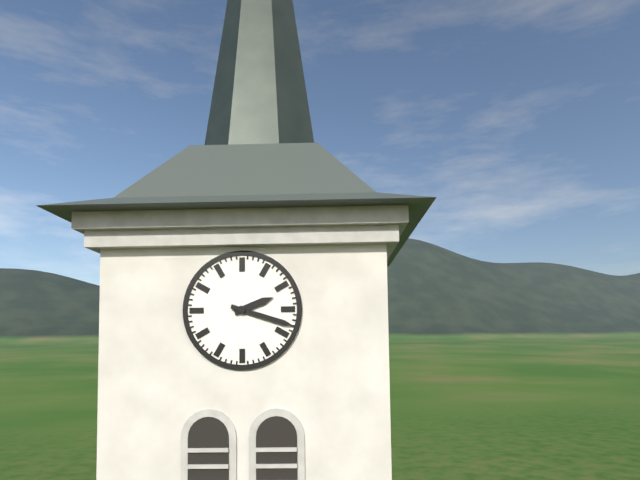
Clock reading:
2 h 18 min
